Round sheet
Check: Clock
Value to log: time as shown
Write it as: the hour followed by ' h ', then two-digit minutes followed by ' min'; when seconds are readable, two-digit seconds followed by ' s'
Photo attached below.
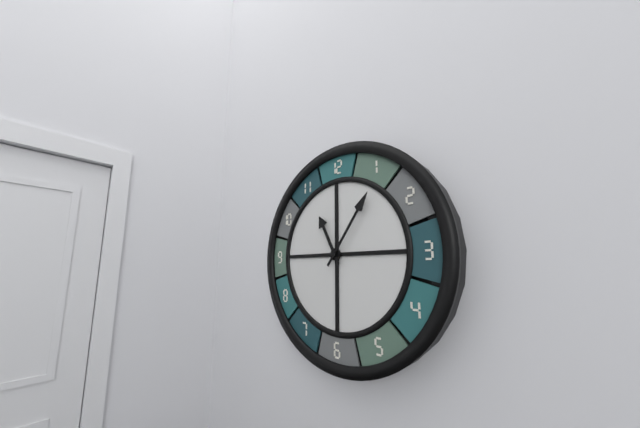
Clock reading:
11 h 06 min
